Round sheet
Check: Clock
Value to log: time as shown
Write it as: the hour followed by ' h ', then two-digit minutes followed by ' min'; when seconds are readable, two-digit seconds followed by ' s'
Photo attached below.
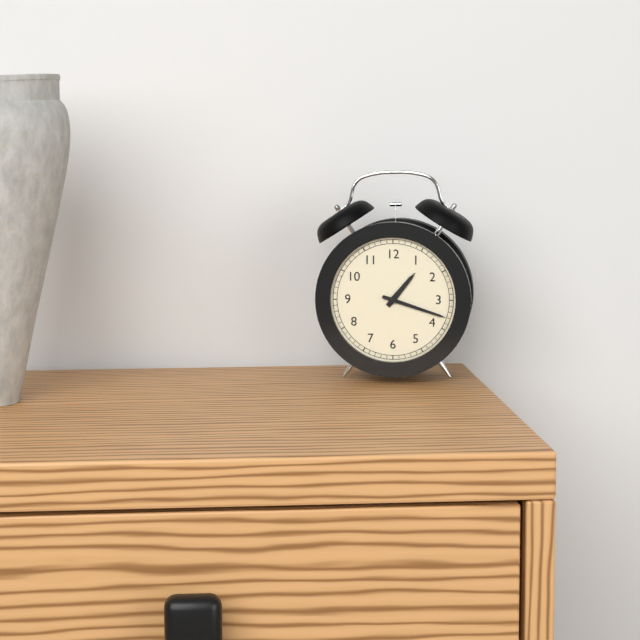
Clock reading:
1 h 18 min
